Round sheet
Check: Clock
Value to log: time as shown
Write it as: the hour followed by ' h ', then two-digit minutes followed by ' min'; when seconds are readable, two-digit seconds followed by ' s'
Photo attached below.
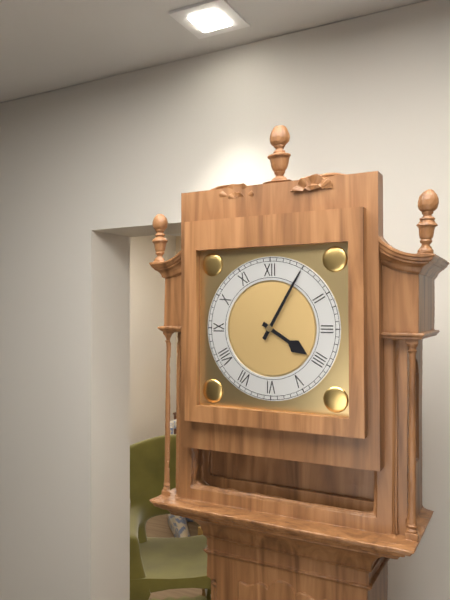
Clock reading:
4 h 05 min
